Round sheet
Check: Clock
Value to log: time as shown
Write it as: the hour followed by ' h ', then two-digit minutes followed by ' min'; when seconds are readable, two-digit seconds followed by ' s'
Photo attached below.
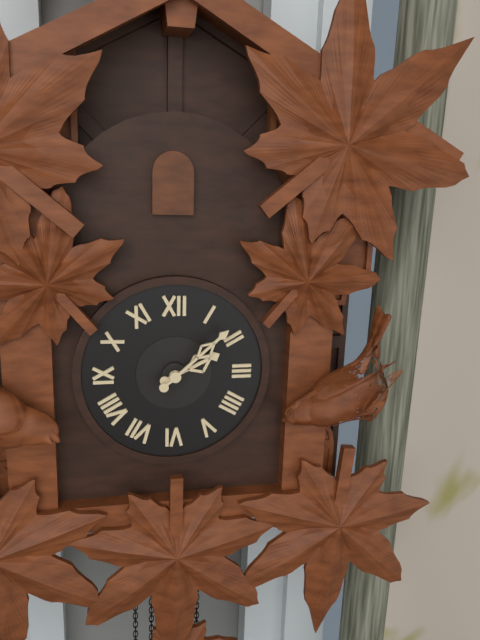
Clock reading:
2 h 08 min
